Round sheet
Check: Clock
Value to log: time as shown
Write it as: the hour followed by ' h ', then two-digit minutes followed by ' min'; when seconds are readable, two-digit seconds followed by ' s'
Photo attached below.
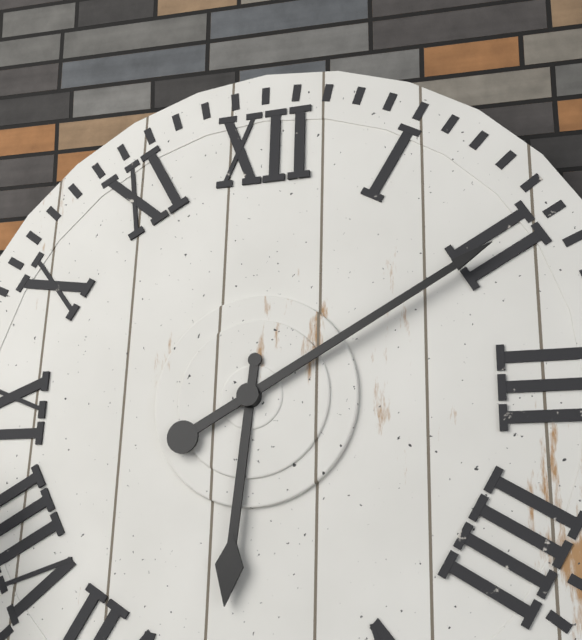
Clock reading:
6 h 10 min
